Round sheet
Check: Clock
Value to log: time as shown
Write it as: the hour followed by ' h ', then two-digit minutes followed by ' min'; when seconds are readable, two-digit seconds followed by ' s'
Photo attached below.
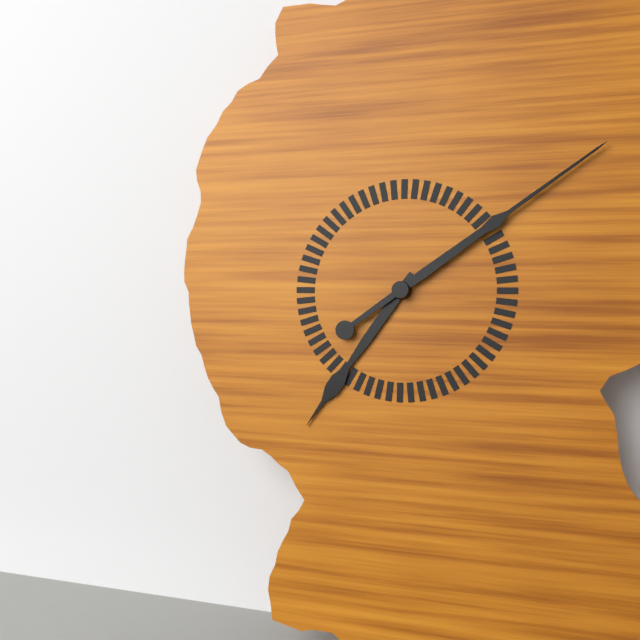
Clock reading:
7 h 09 min
